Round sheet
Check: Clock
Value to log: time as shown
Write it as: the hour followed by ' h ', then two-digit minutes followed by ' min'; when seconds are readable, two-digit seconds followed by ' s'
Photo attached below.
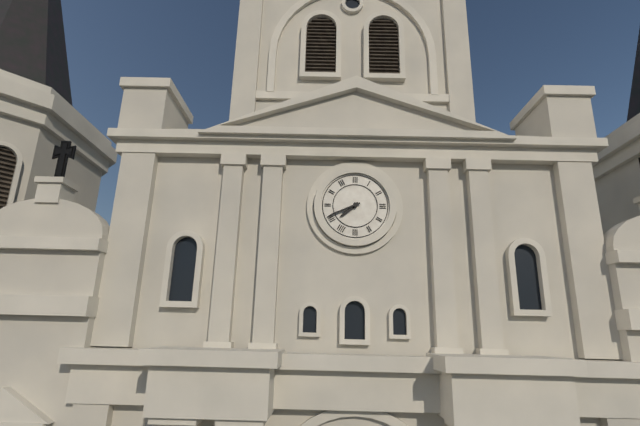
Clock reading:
7 h 41 min
